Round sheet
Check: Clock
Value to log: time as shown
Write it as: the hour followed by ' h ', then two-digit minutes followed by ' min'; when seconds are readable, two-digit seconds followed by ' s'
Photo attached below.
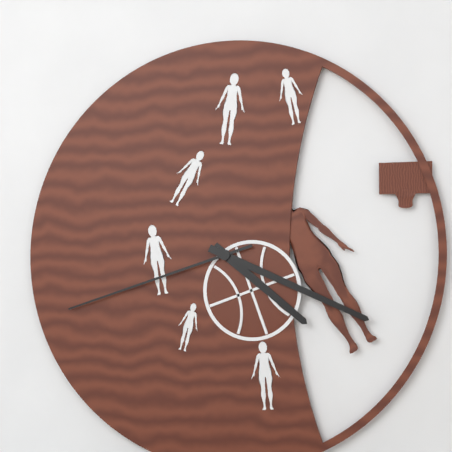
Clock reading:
4 h 19 min 42 s
